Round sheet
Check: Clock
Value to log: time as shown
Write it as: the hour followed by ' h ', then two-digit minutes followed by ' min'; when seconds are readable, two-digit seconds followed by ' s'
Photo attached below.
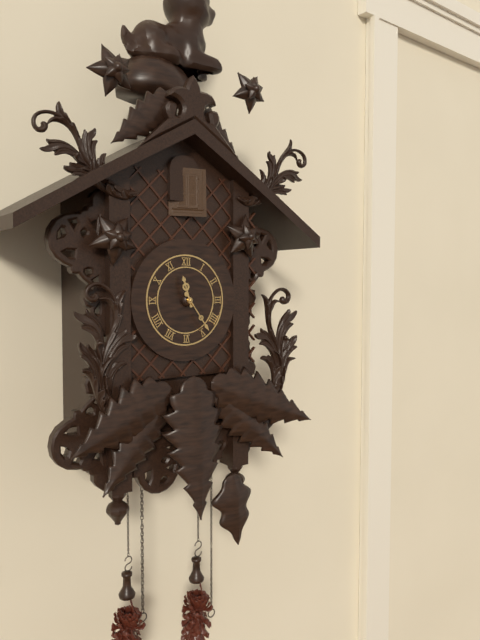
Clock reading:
11 h 24 min
